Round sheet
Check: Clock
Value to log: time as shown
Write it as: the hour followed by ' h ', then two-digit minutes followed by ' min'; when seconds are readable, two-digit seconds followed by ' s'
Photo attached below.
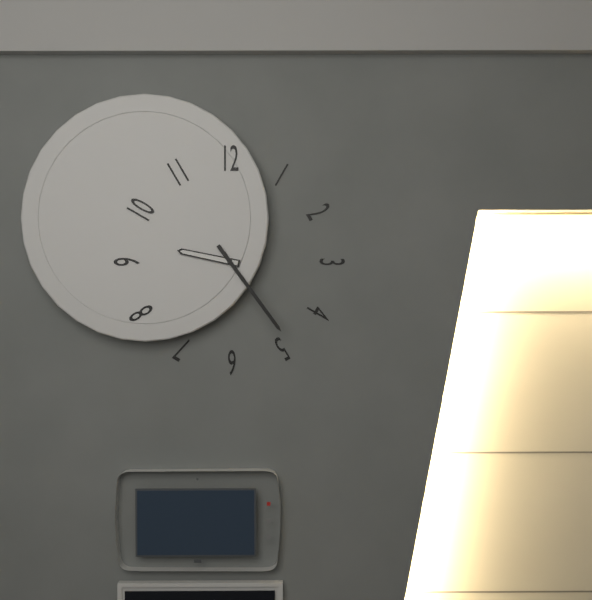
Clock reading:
9 h 24 min
